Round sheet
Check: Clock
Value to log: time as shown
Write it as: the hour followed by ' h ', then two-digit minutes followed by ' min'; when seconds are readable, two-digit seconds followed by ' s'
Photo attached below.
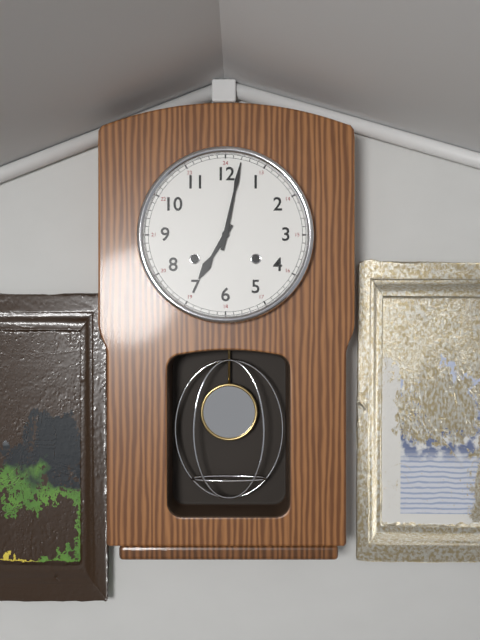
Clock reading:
7 h 02 min
